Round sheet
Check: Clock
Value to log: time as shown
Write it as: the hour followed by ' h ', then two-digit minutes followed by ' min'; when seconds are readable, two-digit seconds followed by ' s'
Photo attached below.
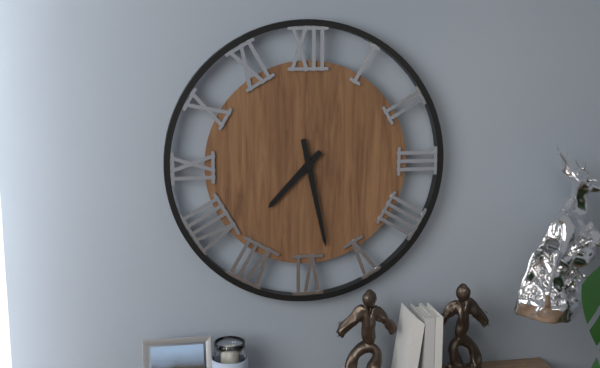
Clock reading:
7 h 28 min
